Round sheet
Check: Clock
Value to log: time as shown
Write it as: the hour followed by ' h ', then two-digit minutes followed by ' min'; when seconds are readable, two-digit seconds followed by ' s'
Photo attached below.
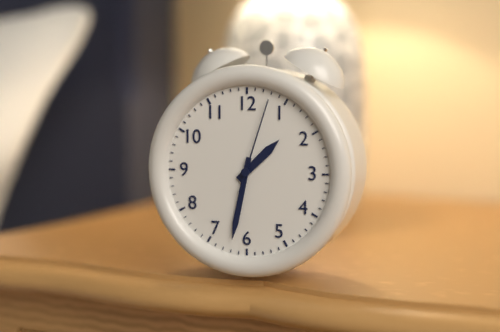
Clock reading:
1 h 32 min 03 s
